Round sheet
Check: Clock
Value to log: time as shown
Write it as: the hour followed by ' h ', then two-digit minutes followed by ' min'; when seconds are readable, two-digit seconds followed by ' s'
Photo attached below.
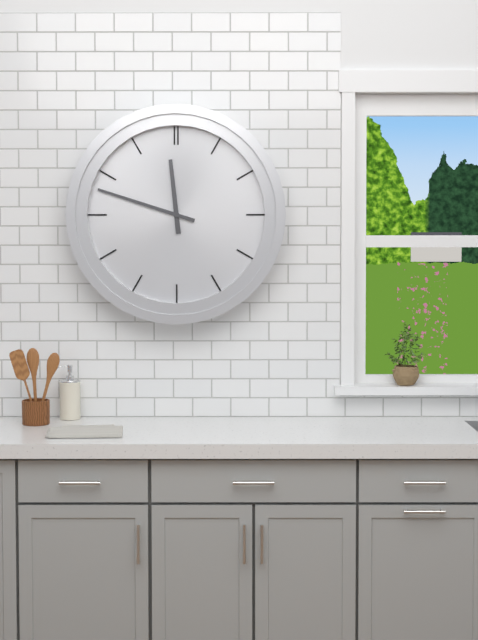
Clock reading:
11 h 48 min
